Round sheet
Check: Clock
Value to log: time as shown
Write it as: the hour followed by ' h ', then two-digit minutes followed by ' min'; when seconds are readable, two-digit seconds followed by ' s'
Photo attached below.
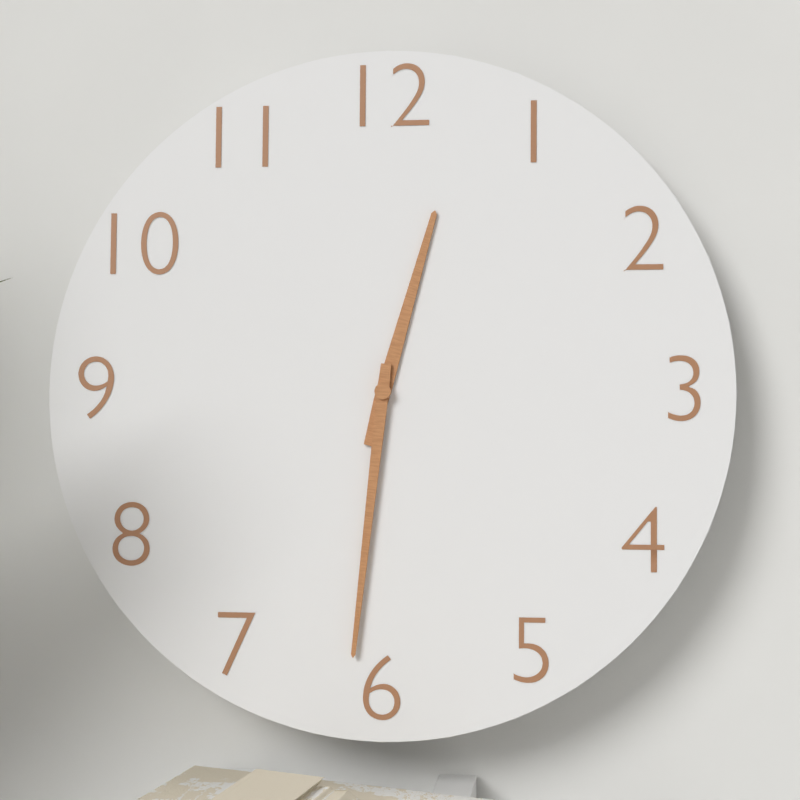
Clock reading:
12 h 31 min
